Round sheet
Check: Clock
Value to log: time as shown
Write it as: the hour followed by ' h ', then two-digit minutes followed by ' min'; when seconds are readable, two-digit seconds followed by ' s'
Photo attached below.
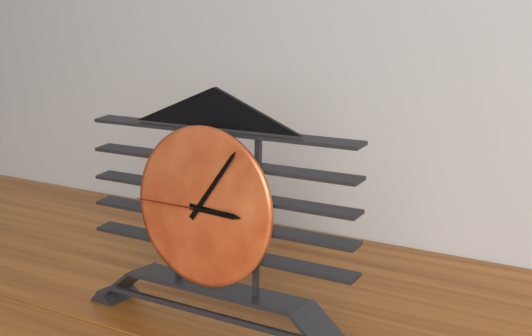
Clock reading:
3 h 06 min 45 s
